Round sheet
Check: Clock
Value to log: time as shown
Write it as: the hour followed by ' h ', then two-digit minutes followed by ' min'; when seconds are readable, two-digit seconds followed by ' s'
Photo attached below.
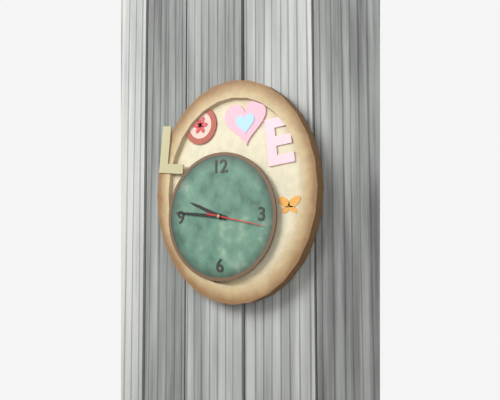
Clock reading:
9 h 46 min 17 s
